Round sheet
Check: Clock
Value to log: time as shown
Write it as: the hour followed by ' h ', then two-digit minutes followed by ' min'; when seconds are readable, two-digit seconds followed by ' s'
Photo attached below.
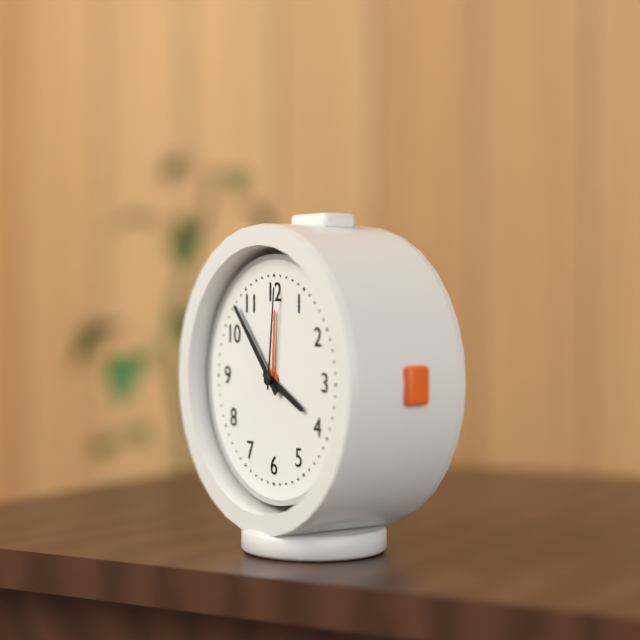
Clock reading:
3 h 53 min 01 s
